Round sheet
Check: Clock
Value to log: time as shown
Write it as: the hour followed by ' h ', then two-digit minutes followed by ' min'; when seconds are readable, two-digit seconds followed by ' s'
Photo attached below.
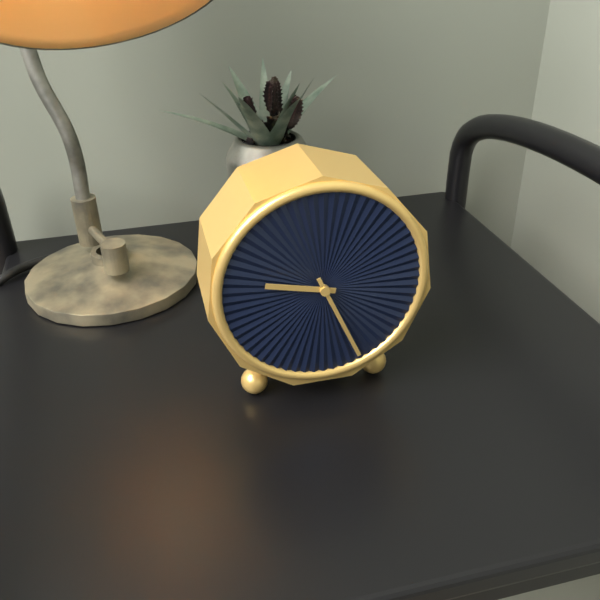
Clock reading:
9 h 26 min
